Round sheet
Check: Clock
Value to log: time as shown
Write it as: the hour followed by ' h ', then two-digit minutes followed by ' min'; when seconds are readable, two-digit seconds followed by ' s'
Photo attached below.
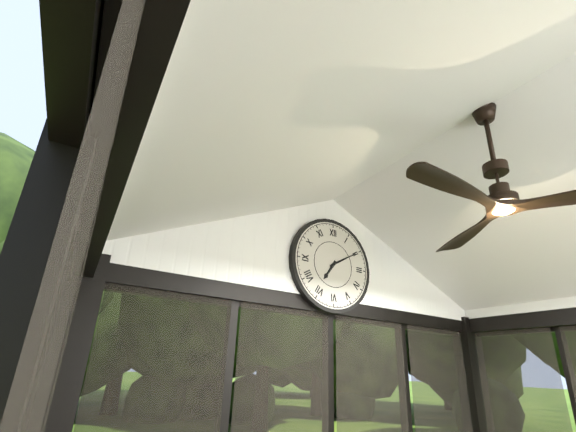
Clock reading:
7 h 10 min
